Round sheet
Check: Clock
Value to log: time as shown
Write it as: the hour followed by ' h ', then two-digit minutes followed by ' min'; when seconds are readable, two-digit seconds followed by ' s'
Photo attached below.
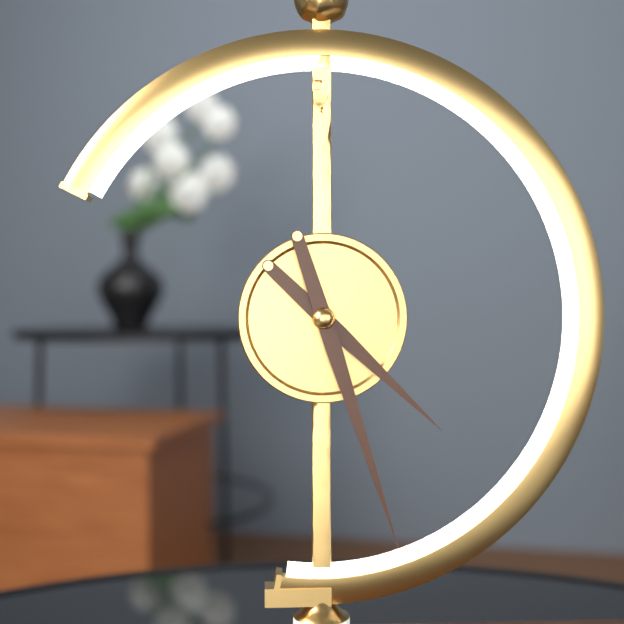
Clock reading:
4 h 27 min
